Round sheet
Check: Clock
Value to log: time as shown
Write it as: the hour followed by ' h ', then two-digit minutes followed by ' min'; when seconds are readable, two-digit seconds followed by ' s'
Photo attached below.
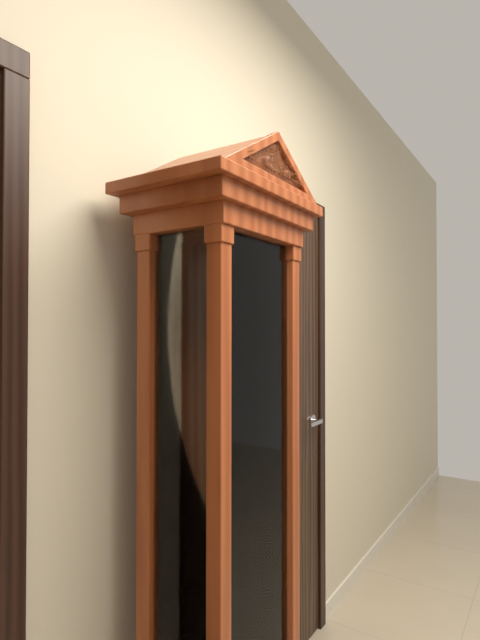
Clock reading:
12 h 36 min
